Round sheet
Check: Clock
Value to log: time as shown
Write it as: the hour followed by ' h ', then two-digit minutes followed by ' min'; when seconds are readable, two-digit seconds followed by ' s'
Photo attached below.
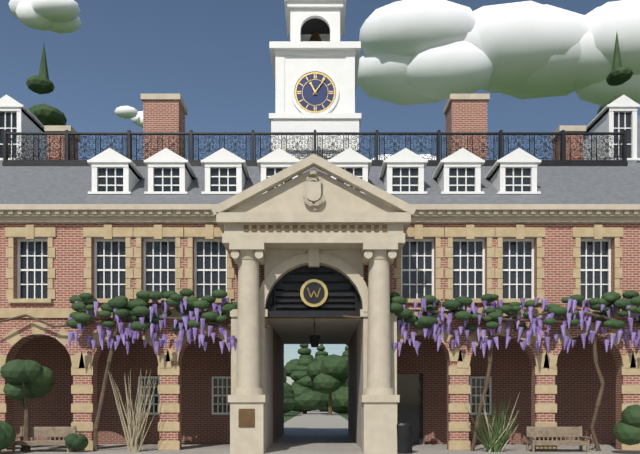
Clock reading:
11 h 06 min
